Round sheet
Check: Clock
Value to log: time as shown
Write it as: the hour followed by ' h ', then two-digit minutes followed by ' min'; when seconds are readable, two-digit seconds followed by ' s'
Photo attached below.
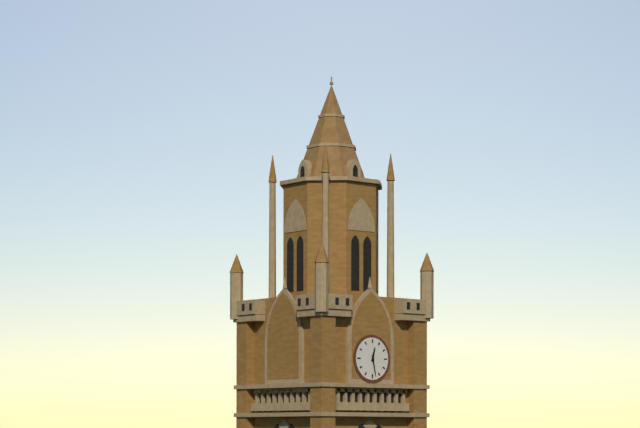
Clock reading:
12 h 28 min
